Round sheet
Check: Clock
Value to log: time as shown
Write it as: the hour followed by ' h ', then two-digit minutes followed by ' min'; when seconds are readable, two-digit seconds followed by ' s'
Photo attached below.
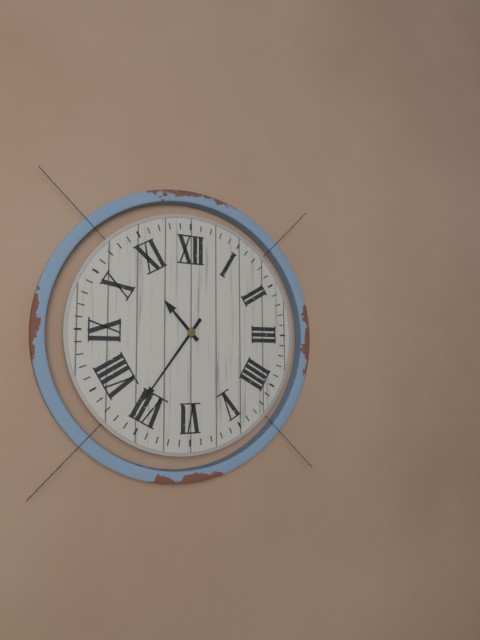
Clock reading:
10 h 36 min
